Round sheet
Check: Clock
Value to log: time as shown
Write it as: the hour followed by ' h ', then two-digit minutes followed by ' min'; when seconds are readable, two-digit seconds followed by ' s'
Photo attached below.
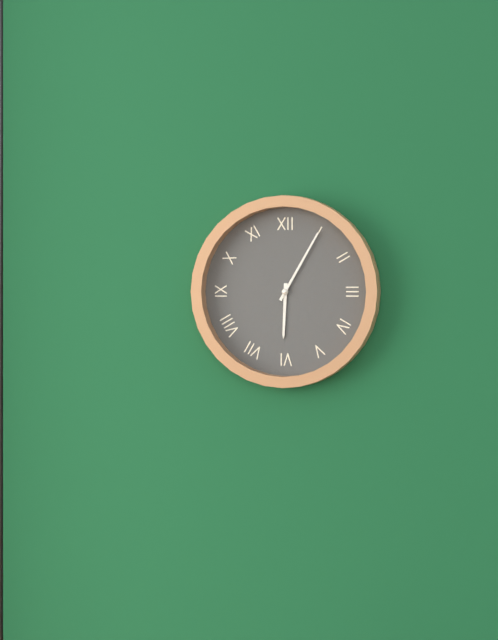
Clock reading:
6 h 05 min
